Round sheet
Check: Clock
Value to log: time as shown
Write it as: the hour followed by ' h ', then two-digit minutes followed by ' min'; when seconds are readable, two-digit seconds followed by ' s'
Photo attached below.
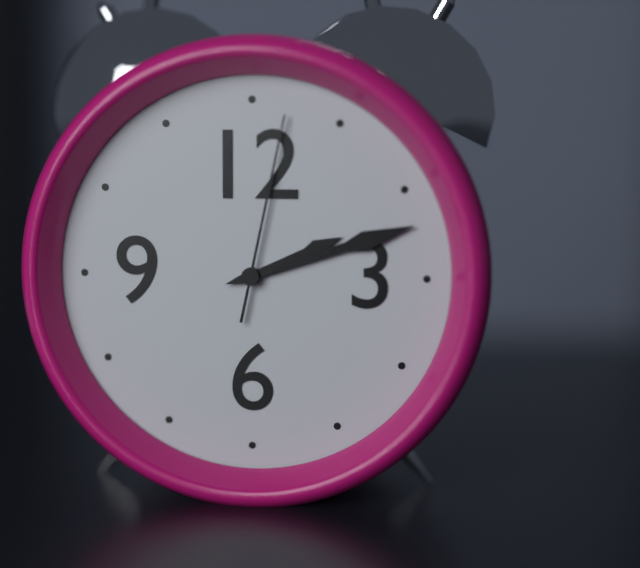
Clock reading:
2 h 12 min 02 s
